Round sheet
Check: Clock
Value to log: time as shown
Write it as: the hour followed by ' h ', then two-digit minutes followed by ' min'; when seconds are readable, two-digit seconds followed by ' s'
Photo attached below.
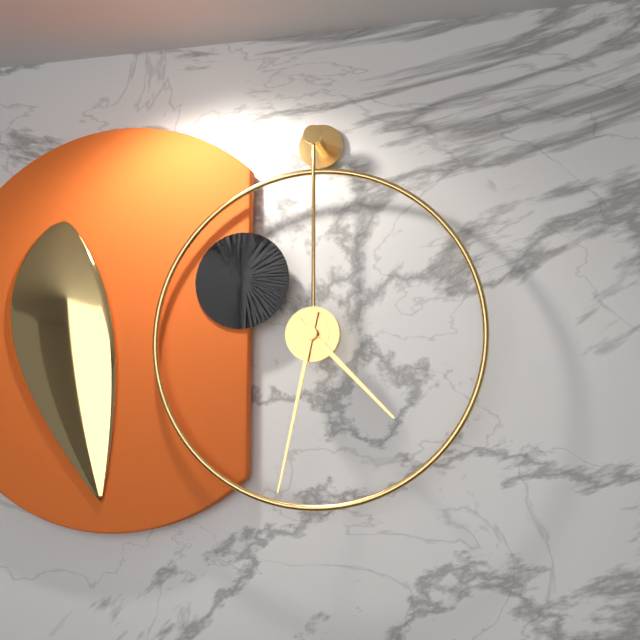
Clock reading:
4 h 32 min
